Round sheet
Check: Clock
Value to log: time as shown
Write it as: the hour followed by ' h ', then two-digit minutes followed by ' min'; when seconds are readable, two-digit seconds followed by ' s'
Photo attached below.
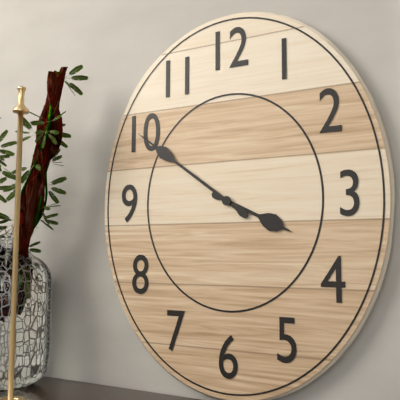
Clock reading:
3 h 51 min
